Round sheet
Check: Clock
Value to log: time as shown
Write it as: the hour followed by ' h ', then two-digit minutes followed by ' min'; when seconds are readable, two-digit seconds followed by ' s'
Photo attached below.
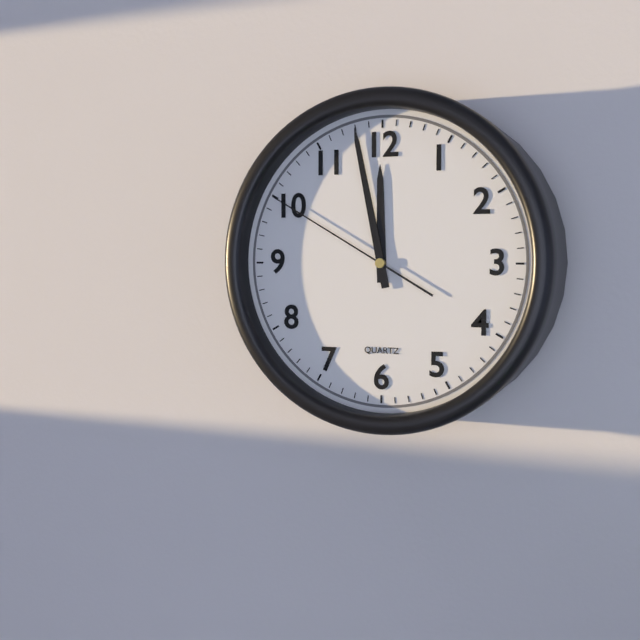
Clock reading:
11 h 58 min 50 s
